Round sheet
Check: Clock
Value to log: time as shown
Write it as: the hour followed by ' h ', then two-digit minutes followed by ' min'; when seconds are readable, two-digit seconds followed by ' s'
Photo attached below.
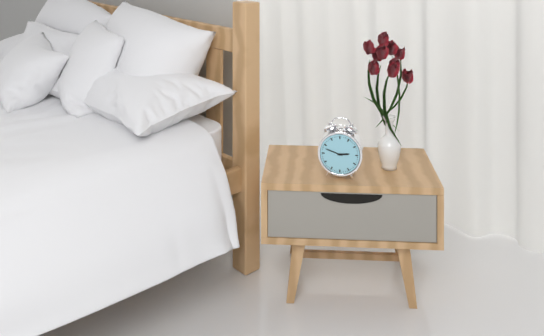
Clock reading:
2 h 48 min
